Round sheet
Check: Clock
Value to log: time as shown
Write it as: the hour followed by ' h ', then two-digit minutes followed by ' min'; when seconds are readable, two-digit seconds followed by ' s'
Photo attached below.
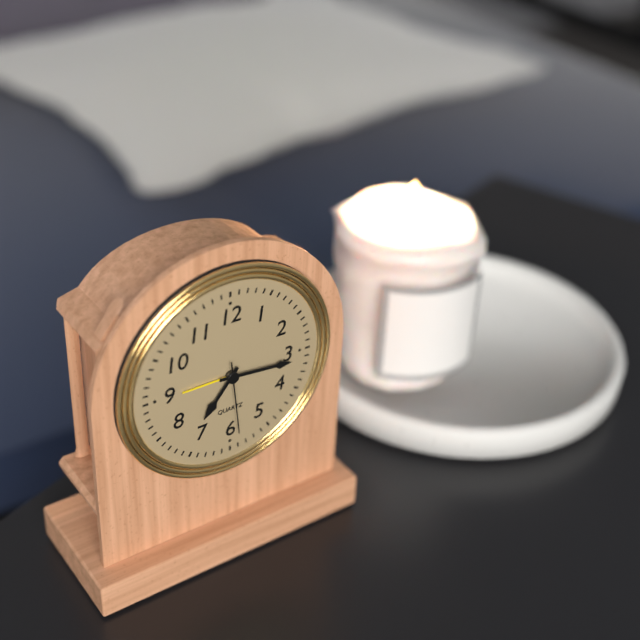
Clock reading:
7 h 16 min 29 s
